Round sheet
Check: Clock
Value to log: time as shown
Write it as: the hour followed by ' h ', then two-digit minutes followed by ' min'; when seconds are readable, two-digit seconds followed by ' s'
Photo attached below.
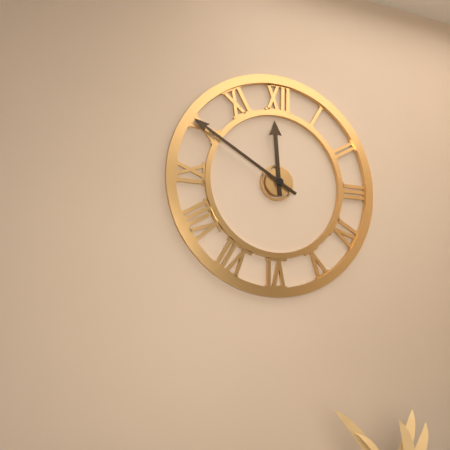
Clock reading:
11 h 50 min
